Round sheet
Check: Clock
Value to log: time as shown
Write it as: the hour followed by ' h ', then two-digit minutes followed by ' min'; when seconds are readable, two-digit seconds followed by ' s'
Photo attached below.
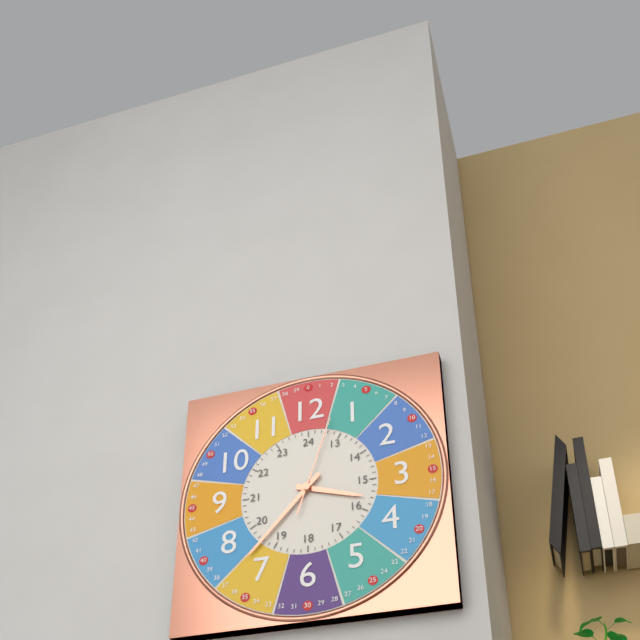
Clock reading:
3 h 37 min 03 s
